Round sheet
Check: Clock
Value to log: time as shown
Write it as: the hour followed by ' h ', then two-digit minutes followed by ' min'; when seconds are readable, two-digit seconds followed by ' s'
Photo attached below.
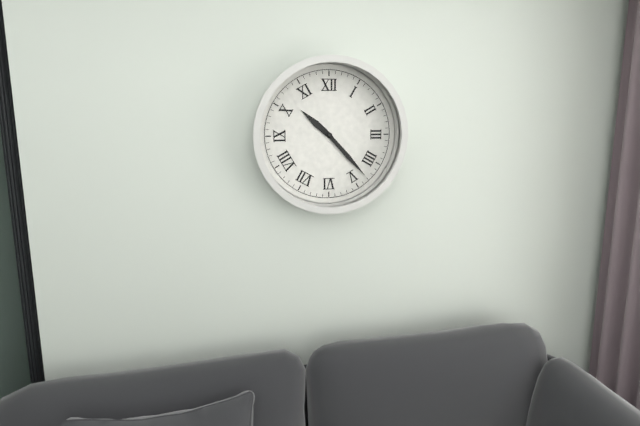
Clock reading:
10 h 23 min
